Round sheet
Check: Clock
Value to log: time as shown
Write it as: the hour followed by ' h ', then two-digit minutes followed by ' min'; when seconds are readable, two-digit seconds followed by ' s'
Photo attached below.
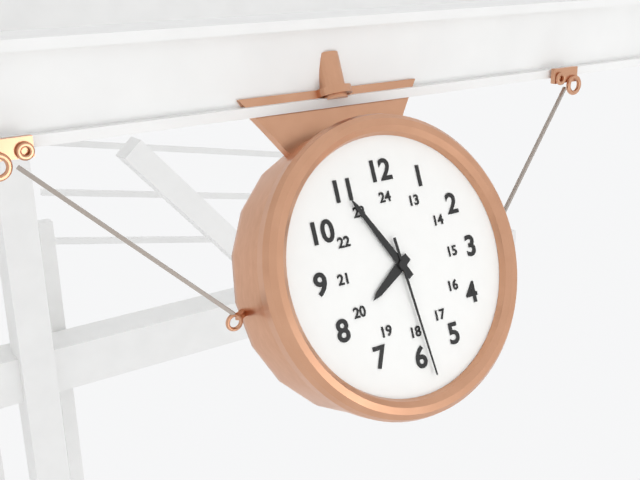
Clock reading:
7 h 55 min 29 s
